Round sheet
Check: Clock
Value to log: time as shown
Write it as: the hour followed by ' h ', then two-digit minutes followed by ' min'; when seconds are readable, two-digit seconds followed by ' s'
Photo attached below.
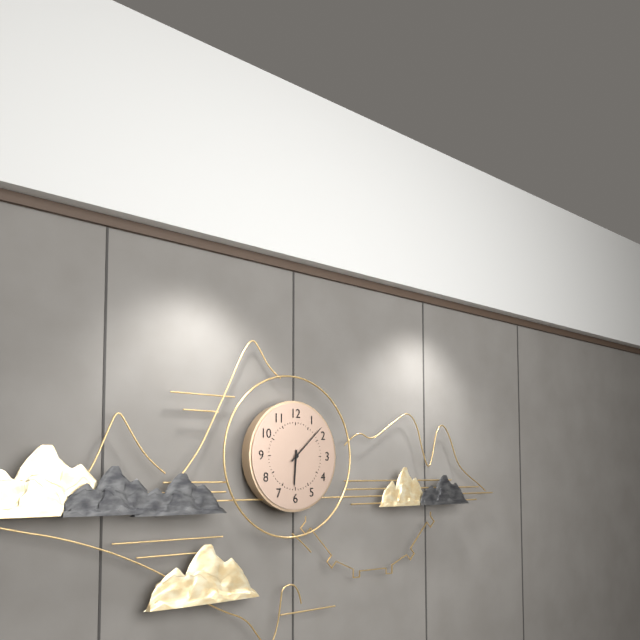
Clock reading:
6 h 08 min
